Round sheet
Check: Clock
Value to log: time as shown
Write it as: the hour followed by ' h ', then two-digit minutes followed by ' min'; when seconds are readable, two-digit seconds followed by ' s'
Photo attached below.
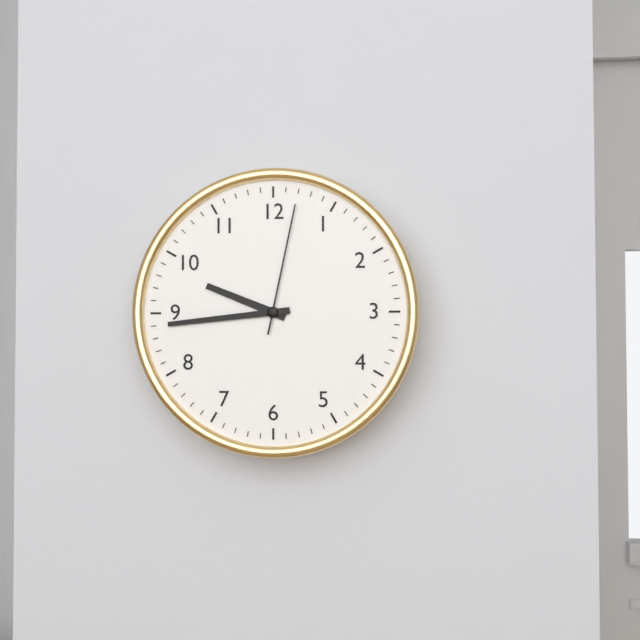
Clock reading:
9 h 44 min 02 s
